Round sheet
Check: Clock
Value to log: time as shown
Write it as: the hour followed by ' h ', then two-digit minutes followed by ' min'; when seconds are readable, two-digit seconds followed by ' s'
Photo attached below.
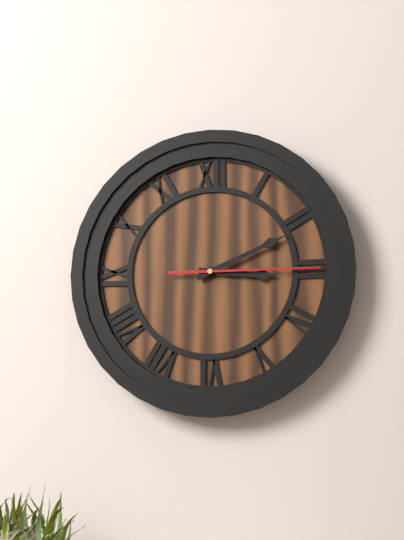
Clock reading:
3 h 11 min 15 s
